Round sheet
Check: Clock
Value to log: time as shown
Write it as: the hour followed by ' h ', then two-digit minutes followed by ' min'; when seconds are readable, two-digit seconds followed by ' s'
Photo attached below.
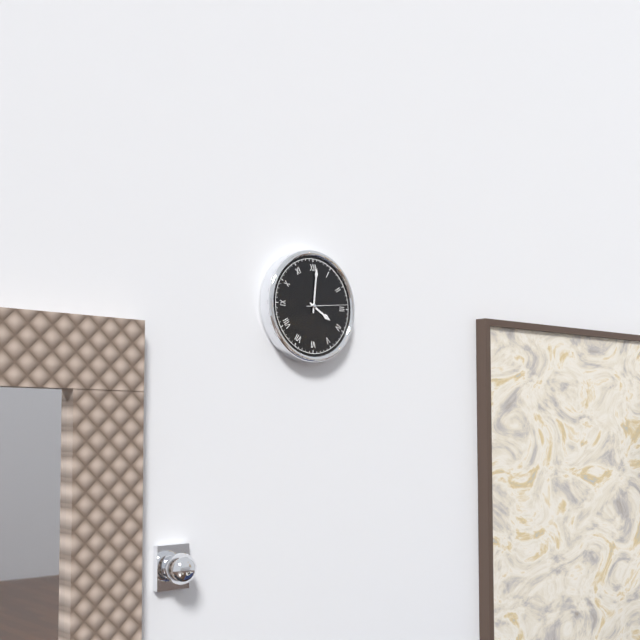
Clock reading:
4 h 01 min 14 s
